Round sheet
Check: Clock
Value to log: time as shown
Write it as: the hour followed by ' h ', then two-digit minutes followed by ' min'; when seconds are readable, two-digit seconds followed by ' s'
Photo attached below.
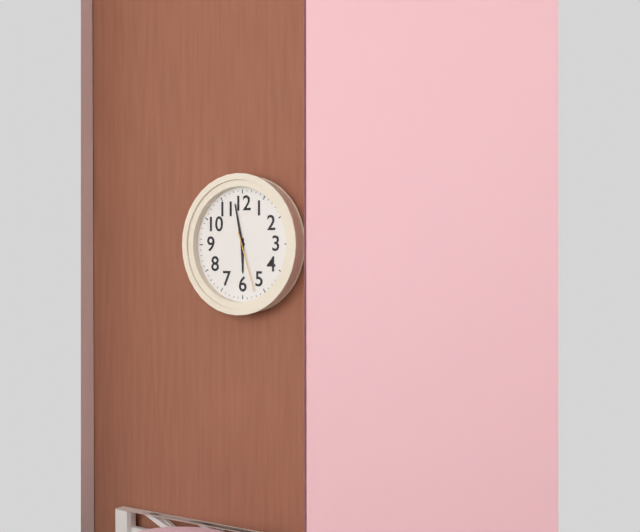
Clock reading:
5 h 58 min 27 s
